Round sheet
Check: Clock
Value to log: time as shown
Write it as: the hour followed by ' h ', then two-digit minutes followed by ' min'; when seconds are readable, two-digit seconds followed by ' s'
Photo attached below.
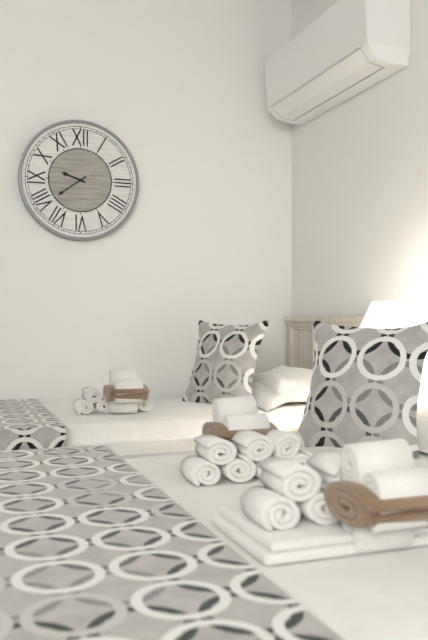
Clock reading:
9 h 39 min
